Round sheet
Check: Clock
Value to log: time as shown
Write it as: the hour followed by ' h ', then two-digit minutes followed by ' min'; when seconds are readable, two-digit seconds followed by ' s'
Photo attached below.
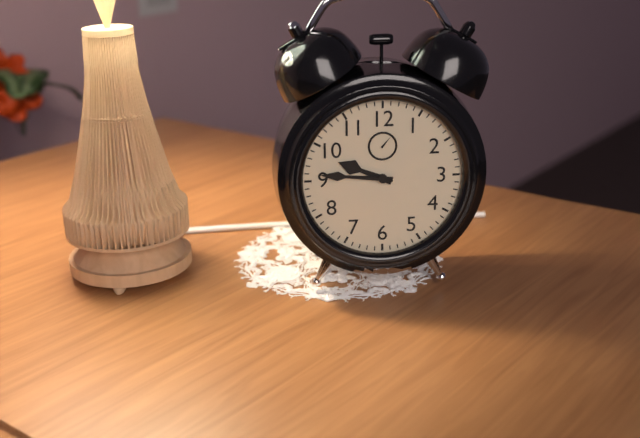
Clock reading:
9 h 46 min
